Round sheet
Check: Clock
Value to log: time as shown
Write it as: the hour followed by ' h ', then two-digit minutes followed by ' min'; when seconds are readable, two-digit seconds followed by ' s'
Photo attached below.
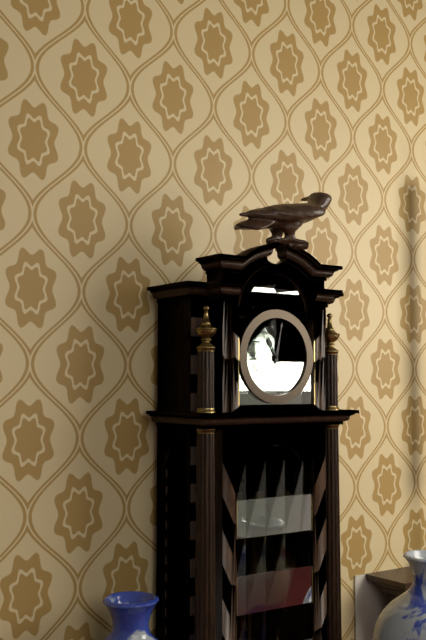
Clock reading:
11 h 02 min
